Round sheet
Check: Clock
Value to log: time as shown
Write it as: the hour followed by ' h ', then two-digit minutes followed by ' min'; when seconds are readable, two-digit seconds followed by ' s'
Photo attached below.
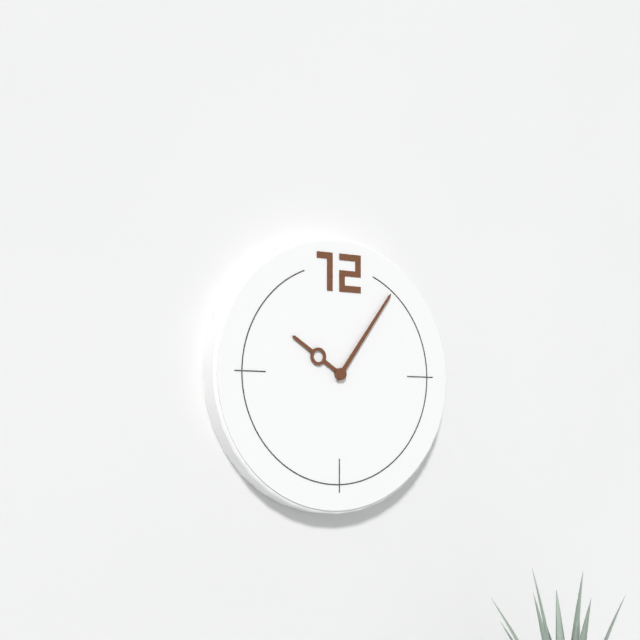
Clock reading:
10 h 06 min
